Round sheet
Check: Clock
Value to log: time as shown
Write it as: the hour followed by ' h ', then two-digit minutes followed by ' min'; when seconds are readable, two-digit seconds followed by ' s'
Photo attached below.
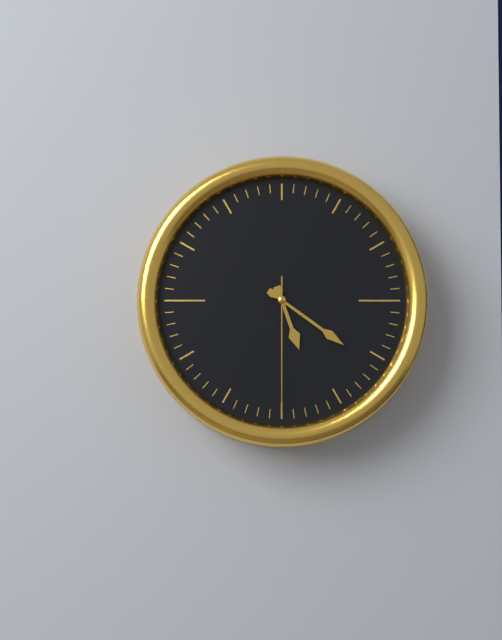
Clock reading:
5 h 21 min 30 s
